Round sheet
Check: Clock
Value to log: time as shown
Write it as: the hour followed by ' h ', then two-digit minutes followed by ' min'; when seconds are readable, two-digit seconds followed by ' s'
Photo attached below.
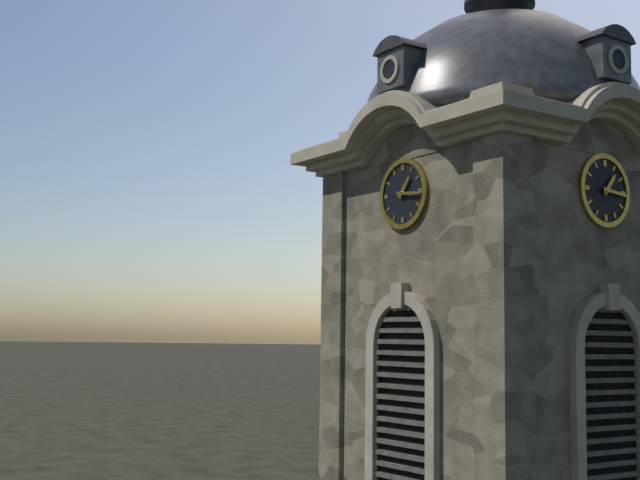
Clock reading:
1 h 16 min
